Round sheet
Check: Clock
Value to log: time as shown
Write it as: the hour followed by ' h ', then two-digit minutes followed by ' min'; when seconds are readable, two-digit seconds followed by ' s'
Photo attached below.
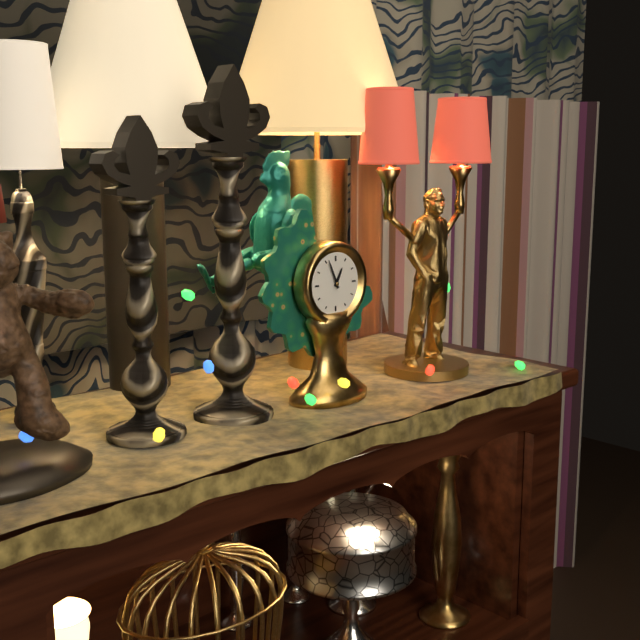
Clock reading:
12 h 56 min
